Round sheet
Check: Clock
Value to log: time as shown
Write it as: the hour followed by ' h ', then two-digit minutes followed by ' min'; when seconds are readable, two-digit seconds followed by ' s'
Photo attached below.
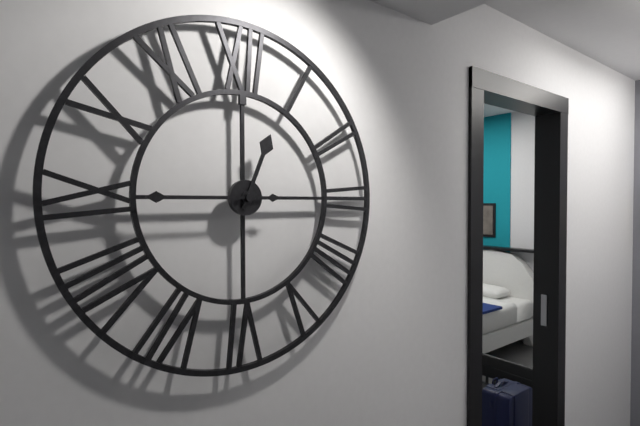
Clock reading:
12 h 45 min
